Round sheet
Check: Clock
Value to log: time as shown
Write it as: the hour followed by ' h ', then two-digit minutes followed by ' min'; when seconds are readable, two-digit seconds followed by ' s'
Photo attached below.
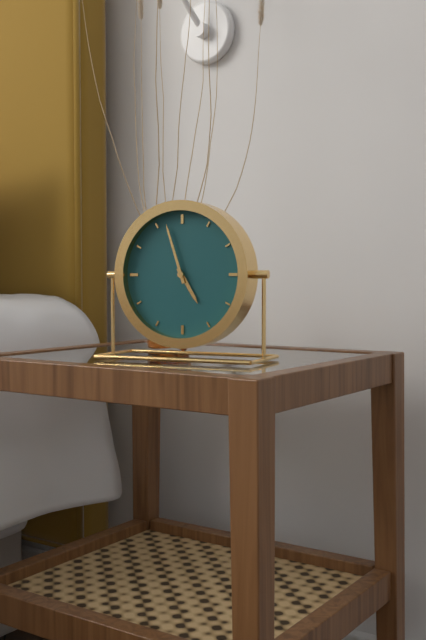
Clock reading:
4 h 57 min
